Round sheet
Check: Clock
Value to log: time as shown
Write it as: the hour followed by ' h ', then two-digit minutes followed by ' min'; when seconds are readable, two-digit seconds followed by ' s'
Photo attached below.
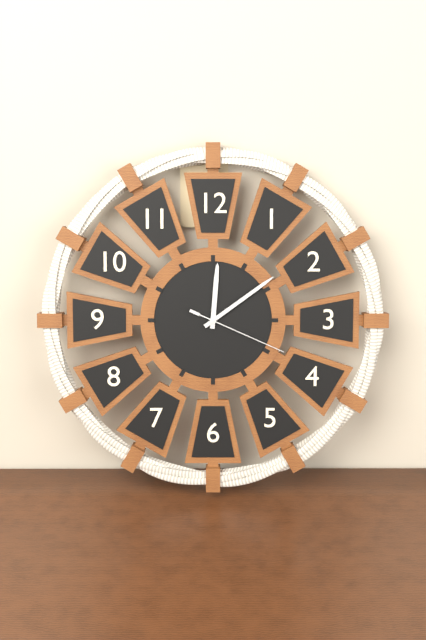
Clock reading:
12 h 09 min 19 s
